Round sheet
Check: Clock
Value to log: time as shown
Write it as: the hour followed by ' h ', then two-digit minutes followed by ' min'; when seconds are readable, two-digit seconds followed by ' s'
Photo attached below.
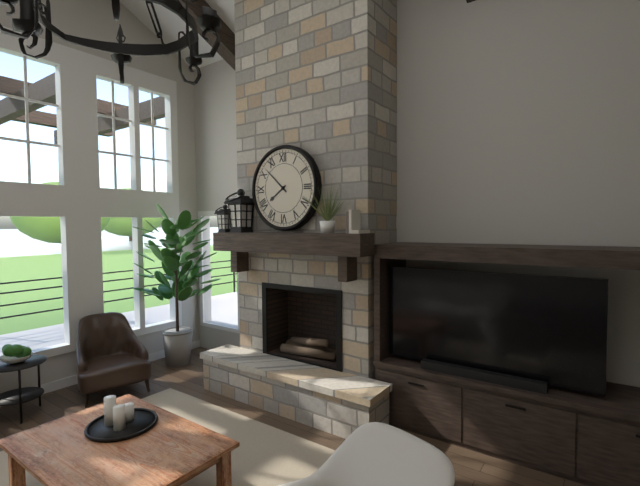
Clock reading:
7 h 52 min
